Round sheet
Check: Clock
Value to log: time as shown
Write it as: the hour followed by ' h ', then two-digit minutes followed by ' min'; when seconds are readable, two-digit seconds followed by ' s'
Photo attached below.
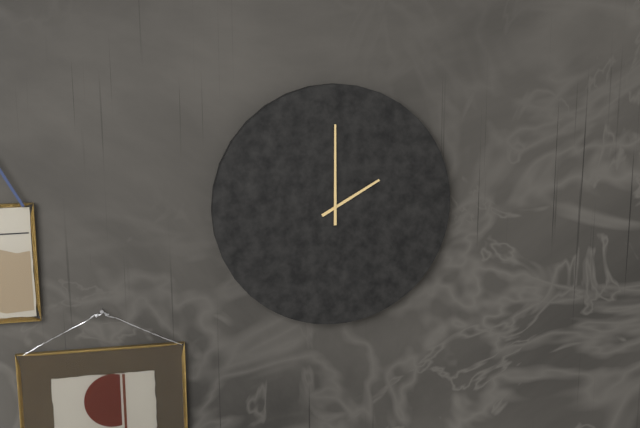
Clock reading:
2 h 00 min
